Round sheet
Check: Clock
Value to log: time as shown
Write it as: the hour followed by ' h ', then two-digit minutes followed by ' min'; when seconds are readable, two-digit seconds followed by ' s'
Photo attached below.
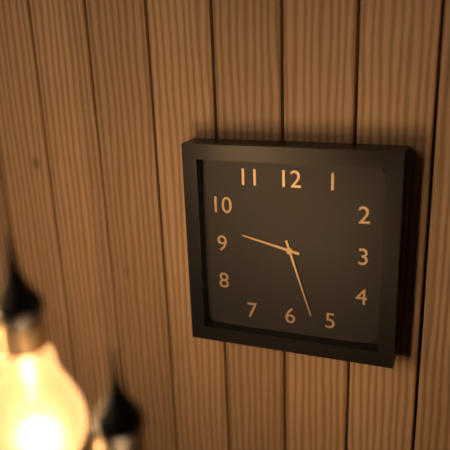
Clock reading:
9 h 27 min
